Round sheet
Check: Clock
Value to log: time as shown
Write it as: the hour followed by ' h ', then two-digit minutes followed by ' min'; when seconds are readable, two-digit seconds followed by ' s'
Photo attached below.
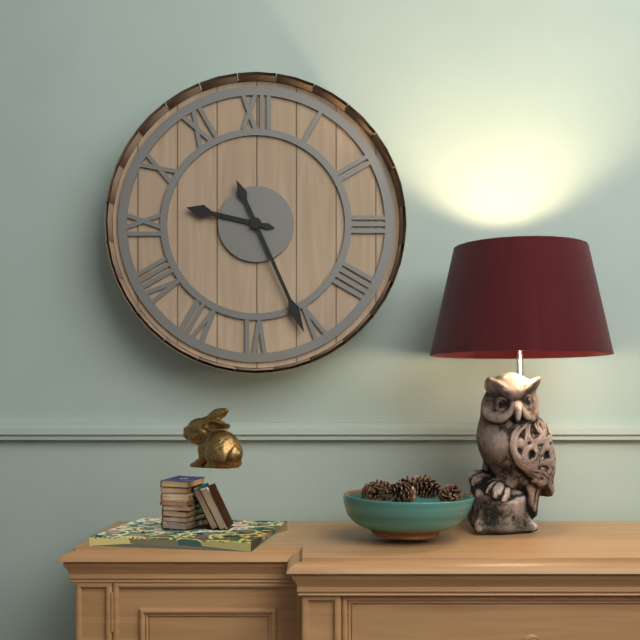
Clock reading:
9 h 26 min
